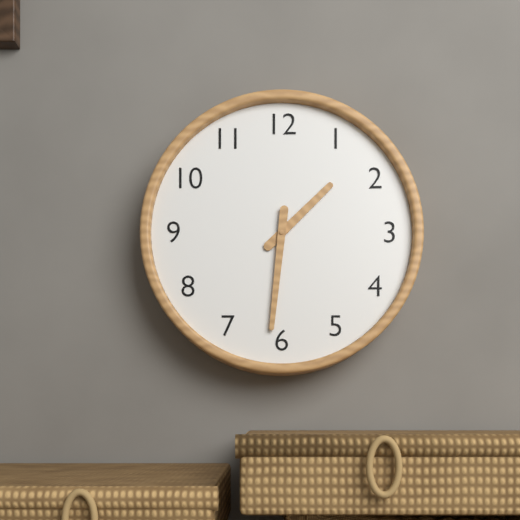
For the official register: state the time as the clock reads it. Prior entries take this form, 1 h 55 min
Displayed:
1 h 31 min
